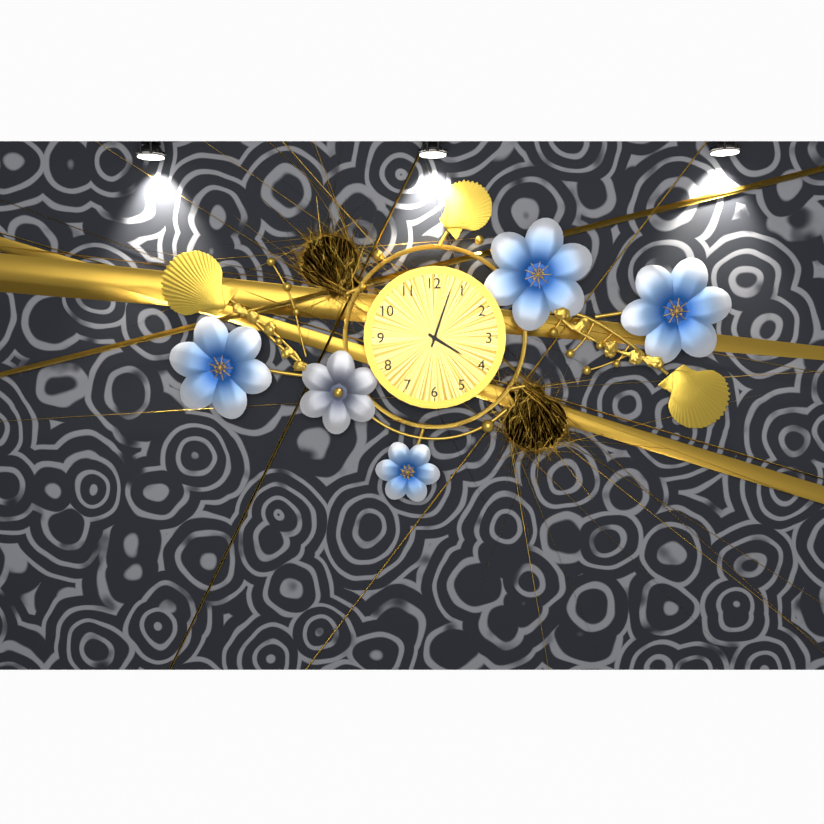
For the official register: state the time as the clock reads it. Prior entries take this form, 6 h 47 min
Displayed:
4 h 03 min
